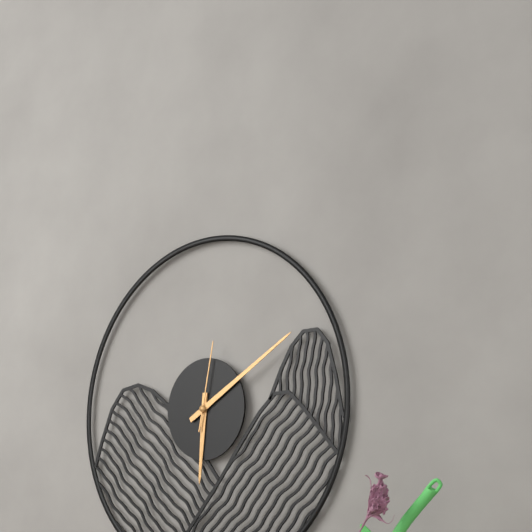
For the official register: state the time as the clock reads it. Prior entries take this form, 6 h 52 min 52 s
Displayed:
6 h 10 min 02 s
